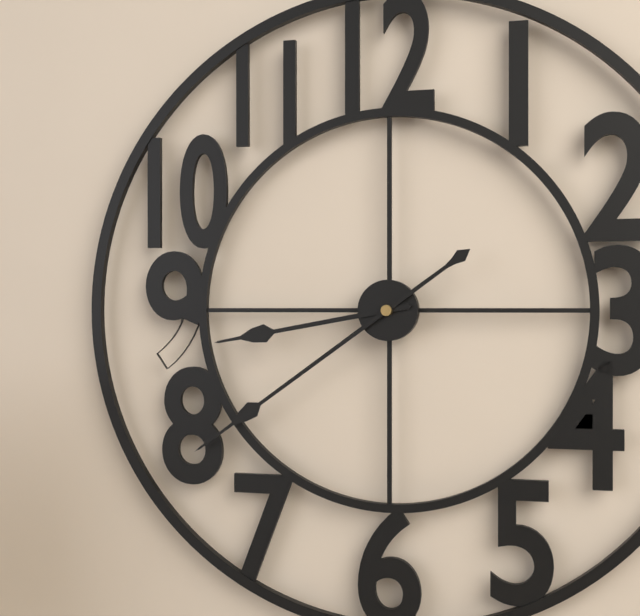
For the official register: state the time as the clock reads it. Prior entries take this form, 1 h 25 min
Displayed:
8 h 39 min
